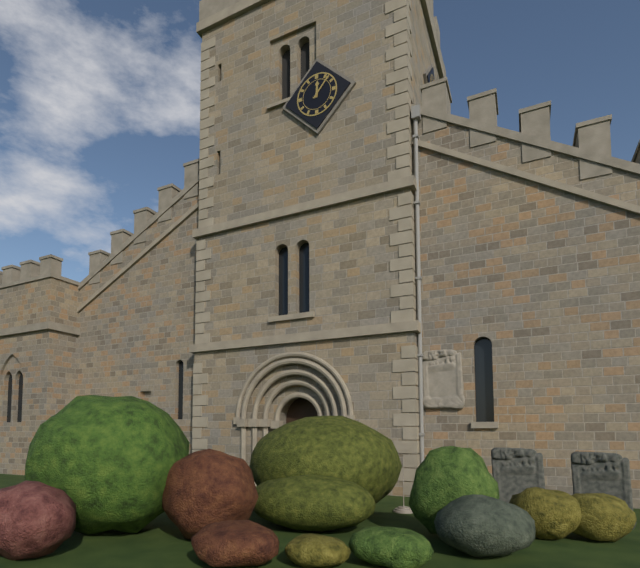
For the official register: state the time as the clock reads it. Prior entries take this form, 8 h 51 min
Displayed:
12 h 07 min
